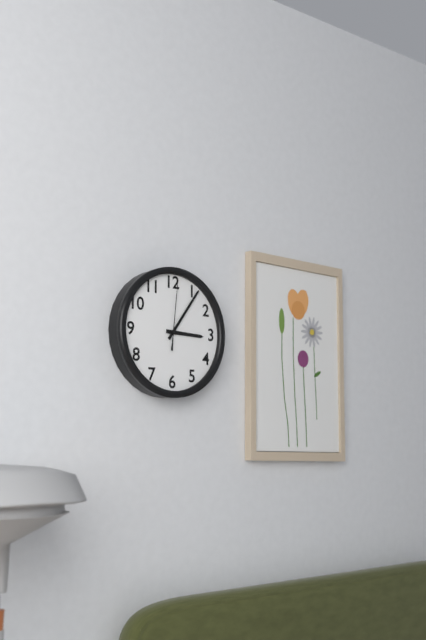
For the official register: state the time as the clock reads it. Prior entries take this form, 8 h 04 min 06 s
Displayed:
3 h 06 min 01 s
